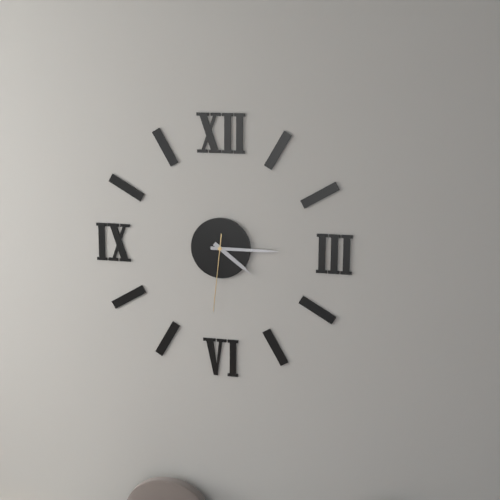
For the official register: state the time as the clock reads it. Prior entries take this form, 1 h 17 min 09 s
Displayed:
4 h 15 min 31 s
